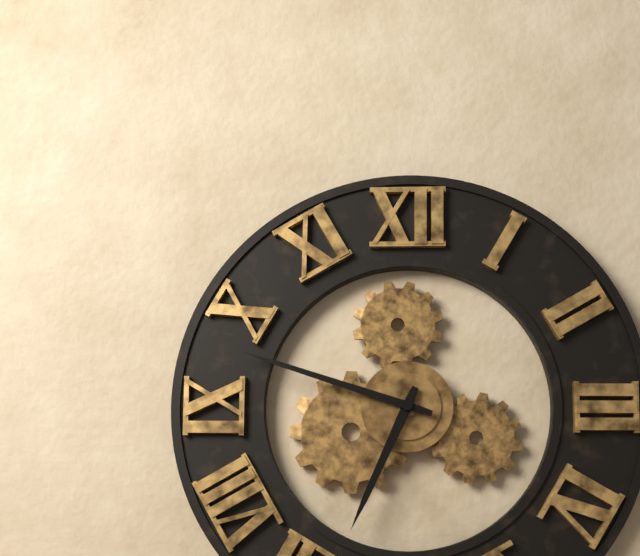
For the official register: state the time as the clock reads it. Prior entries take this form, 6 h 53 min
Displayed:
6 h 48 min
